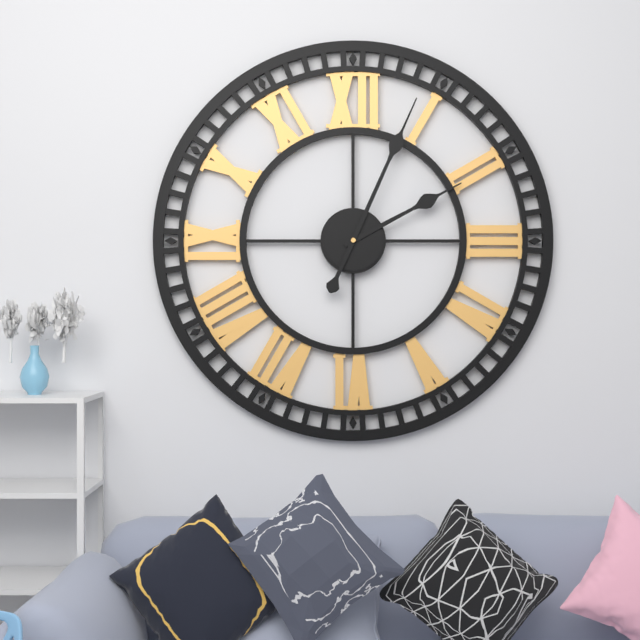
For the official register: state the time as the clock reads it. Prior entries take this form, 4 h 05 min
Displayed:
2 h 04 min
